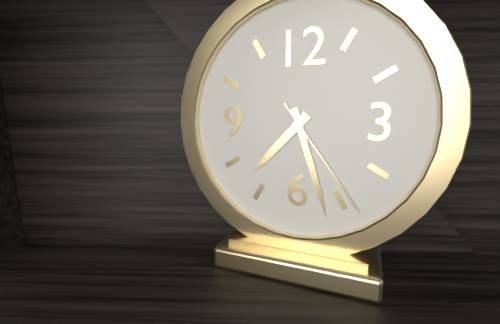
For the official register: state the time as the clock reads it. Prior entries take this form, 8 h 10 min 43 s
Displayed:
7 h 27 min 24 s
